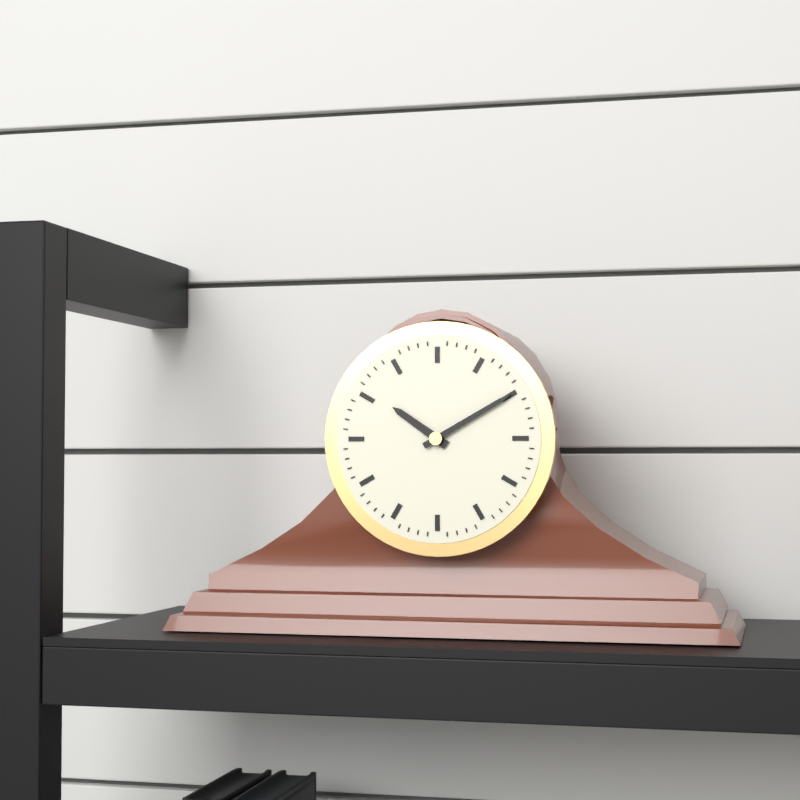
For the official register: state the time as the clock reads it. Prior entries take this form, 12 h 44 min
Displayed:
10 h 10 min
